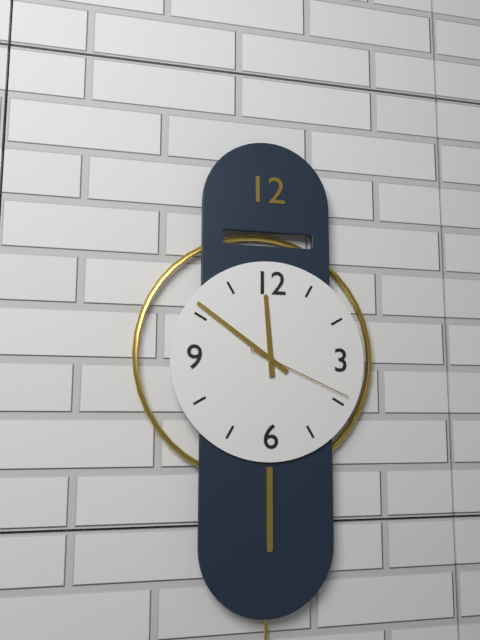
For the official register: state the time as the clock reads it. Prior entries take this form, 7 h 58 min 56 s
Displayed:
11 h 51 min 19 s
